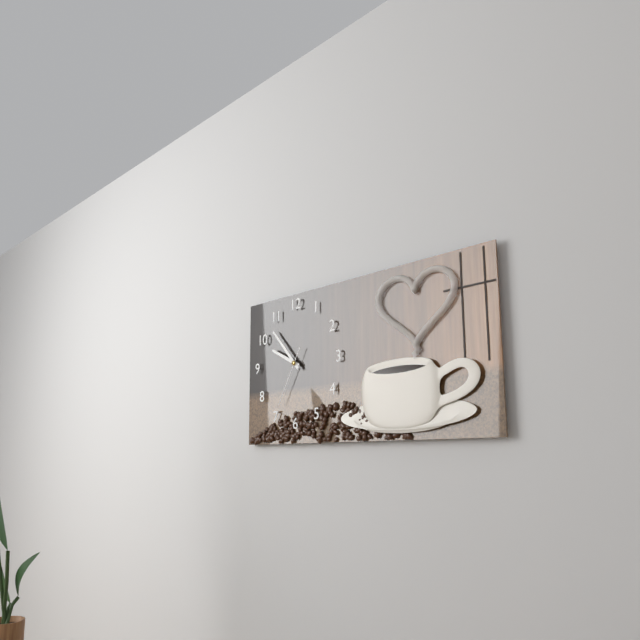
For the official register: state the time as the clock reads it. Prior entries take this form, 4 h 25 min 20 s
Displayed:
9 h 53 min 35 s
